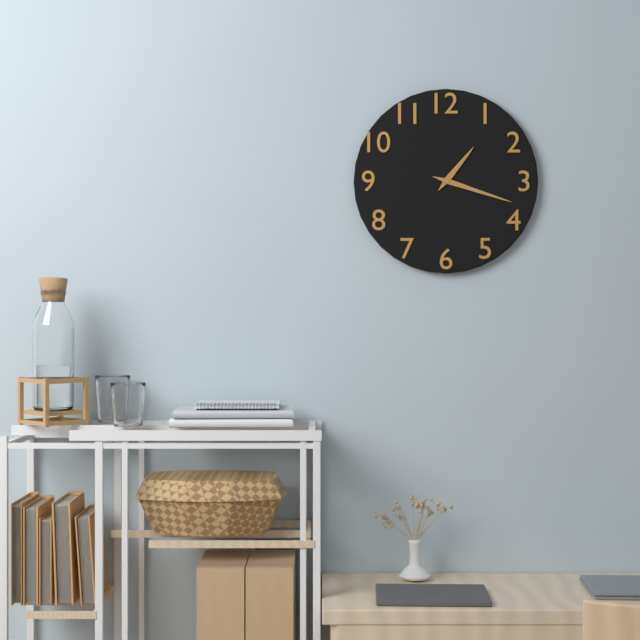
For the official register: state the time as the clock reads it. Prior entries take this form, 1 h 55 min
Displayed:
1 h 18 min
